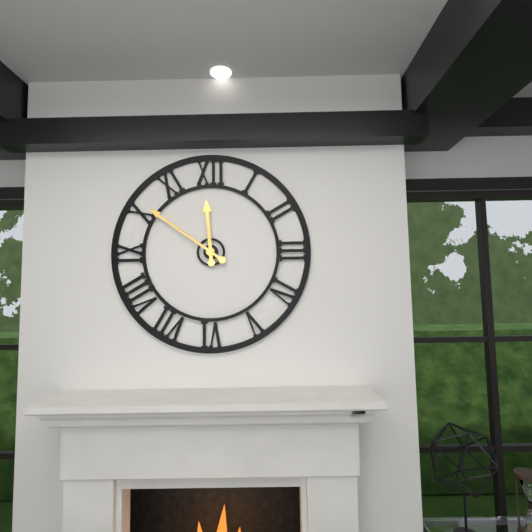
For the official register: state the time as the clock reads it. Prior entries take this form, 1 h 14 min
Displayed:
11 h 51 min
